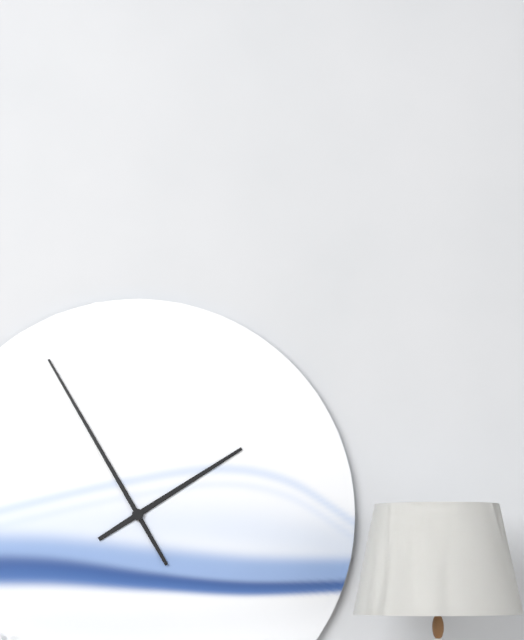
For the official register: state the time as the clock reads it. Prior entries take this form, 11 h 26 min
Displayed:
1 h 55 min
